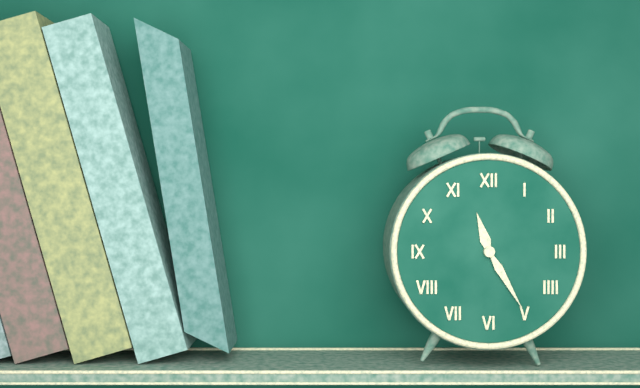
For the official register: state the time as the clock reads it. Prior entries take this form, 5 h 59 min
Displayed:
11 h 25 min
